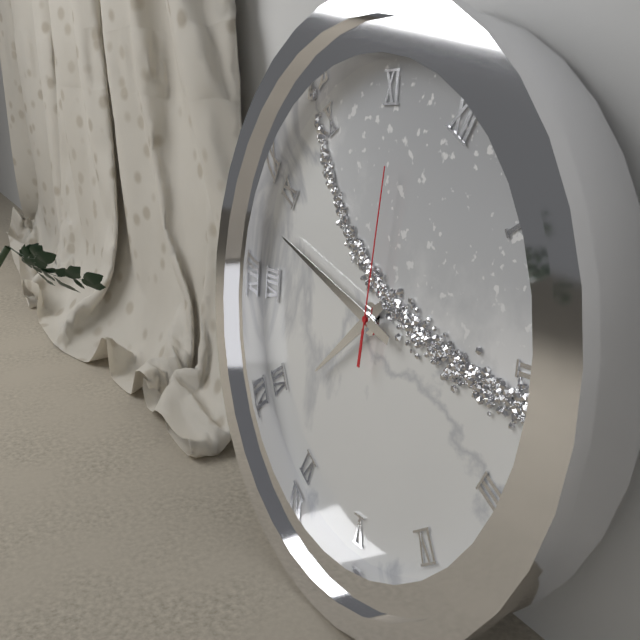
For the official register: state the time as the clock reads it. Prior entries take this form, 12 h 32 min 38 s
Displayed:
6 h 43 min 56 s
